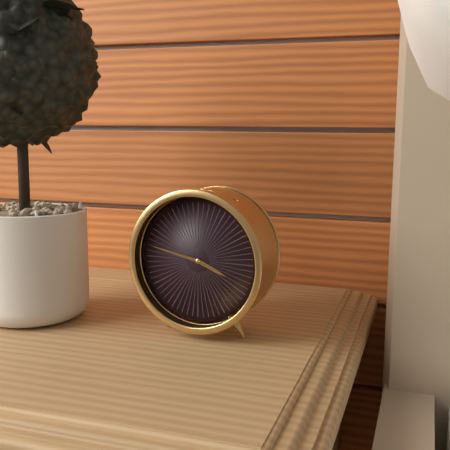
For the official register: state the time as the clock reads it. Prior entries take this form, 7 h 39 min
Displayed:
3 h 47 min
